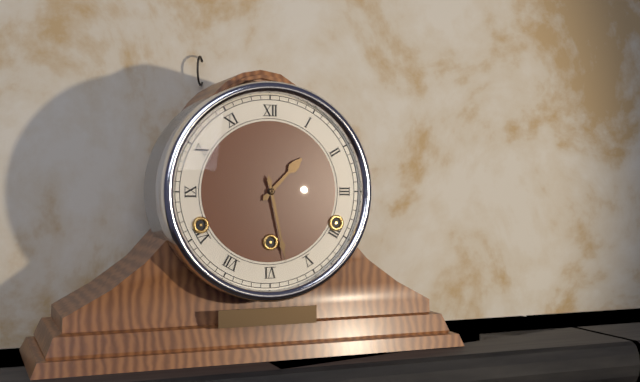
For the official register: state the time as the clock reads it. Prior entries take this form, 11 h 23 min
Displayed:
1 h 28 min
